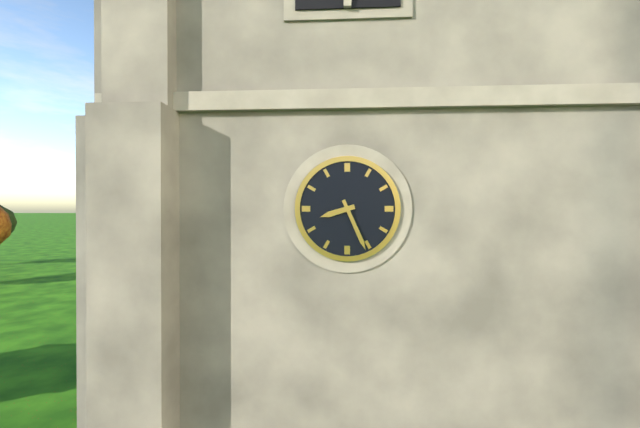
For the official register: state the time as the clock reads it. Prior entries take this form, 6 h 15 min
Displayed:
8 h 26 min
